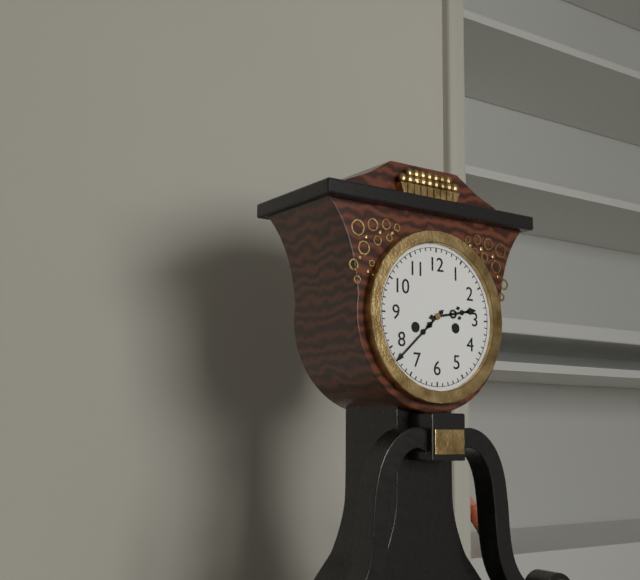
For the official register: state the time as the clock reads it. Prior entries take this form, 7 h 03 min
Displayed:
2 h 38 min
